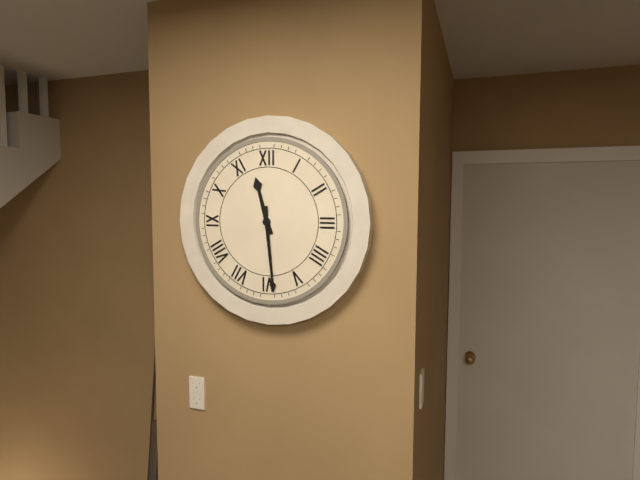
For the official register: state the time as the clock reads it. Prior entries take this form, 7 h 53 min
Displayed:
11 h 29 min
